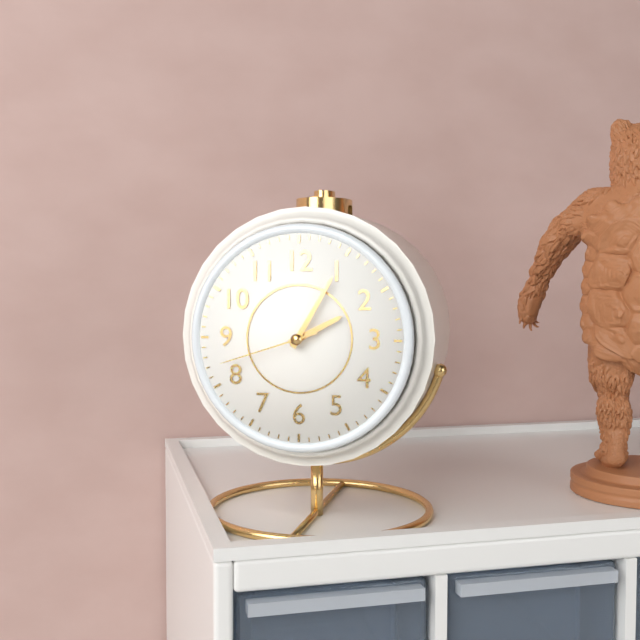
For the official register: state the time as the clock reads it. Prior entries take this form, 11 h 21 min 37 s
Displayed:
2 h 05 min 42 s
